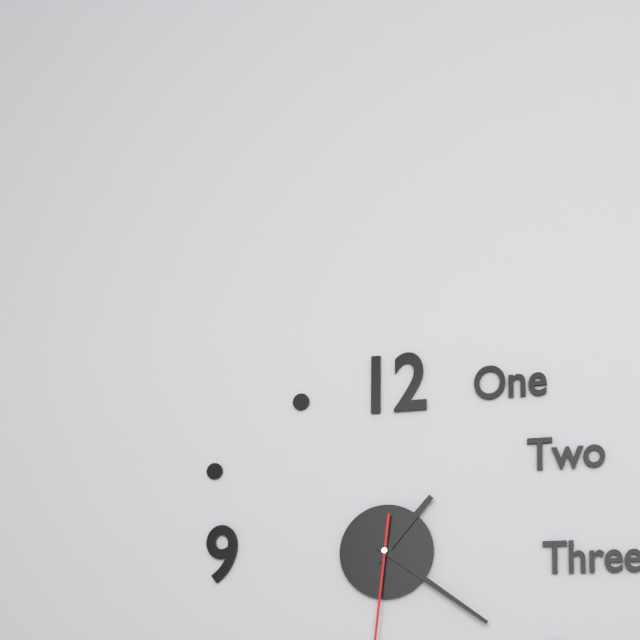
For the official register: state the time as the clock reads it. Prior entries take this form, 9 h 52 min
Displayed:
1 h 21 min
